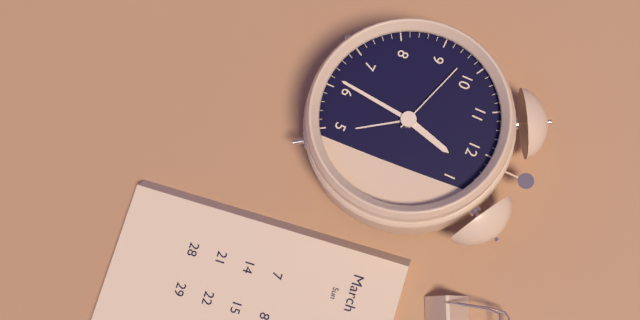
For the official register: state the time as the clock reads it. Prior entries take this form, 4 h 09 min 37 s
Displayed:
12 h 31 min 48 s
